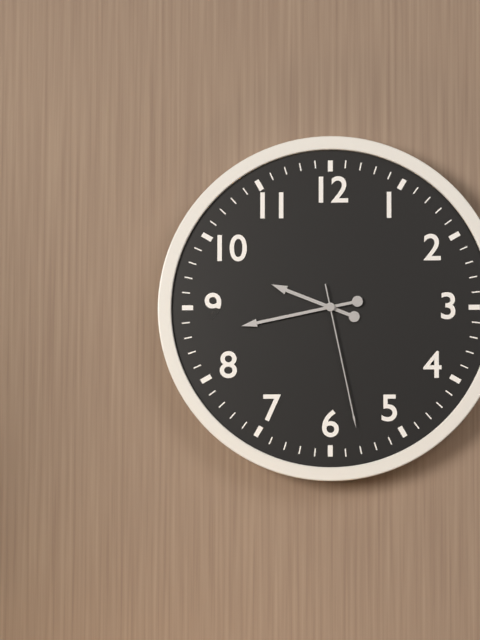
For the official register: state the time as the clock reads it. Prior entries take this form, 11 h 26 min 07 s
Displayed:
9 h 43 min 28 s
